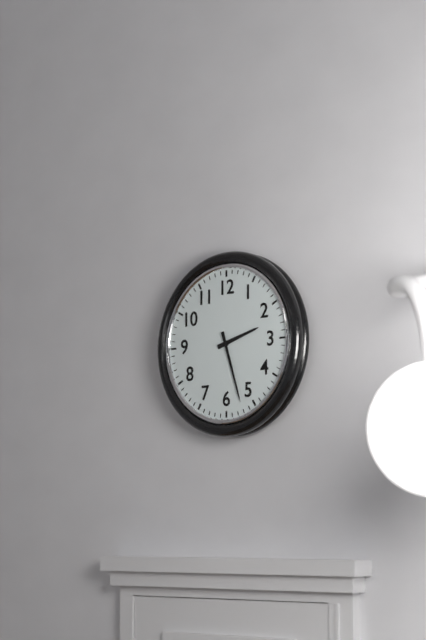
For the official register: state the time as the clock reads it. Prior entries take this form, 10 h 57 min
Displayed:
2 h 27 min
